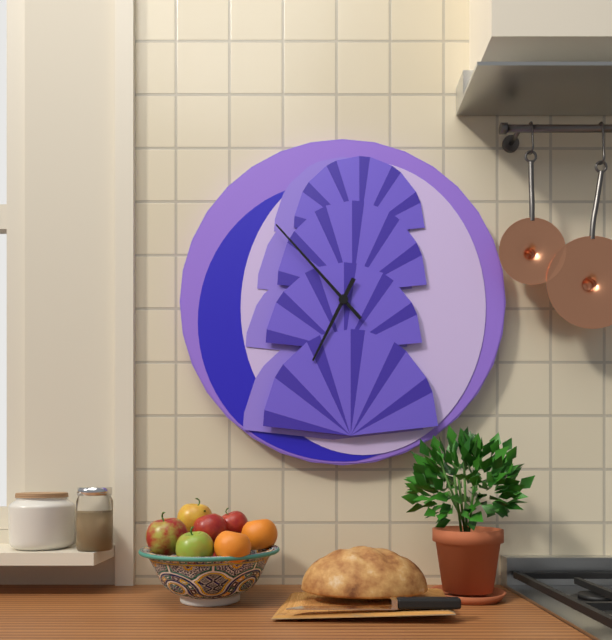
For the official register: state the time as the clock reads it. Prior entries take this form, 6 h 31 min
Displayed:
6 h 53 min
